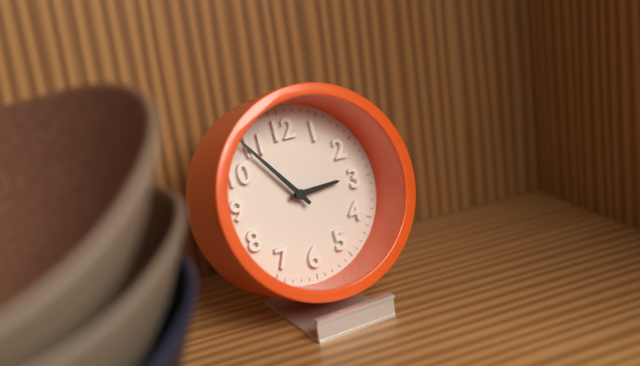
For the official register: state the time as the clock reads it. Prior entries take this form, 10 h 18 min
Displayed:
2 h 54 min
